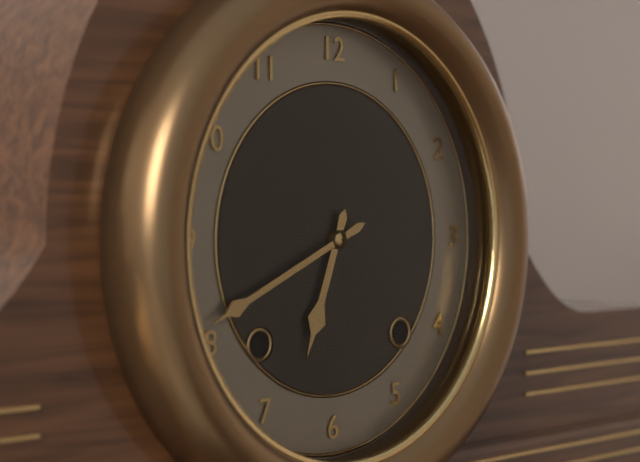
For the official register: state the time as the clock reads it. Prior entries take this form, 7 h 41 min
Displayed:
6 h 41 min
